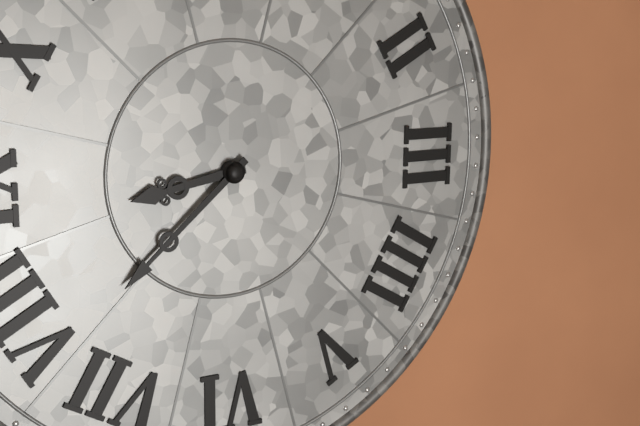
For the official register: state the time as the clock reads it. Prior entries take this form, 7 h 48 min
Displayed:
8 h 38 min
